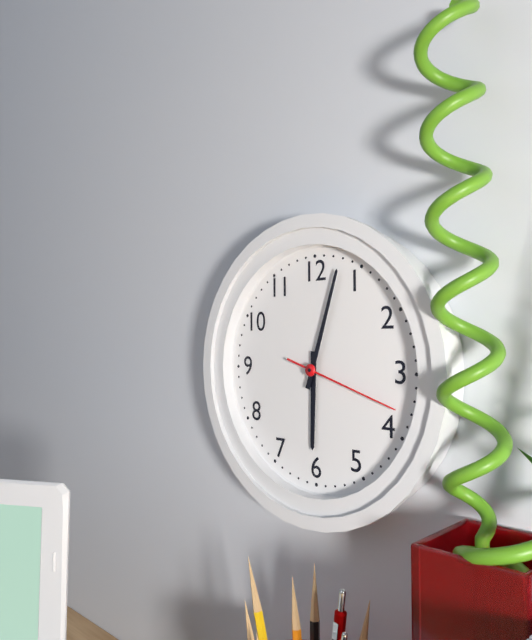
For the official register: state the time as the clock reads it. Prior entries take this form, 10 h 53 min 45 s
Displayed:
6 h 03 min 18 s
